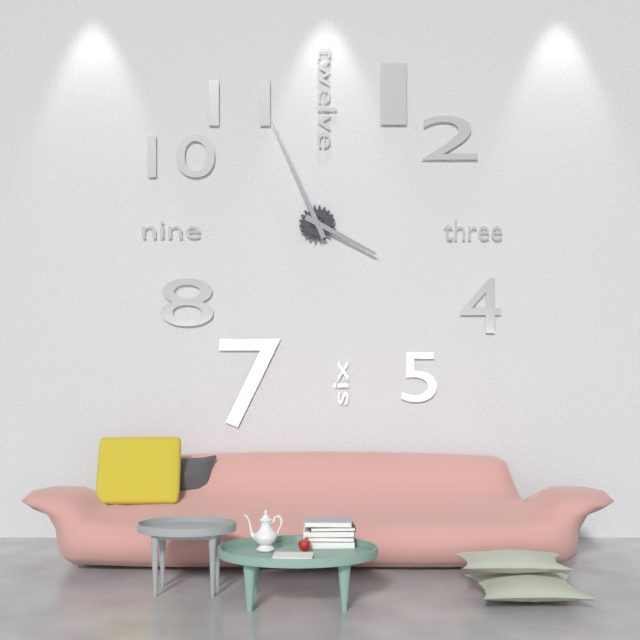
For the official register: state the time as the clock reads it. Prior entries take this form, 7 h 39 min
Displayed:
3 h 56 min
